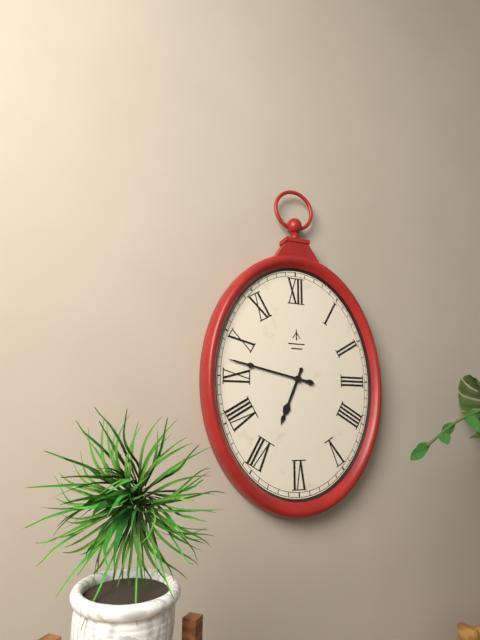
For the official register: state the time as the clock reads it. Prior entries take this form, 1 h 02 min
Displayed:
6 h 47 min
